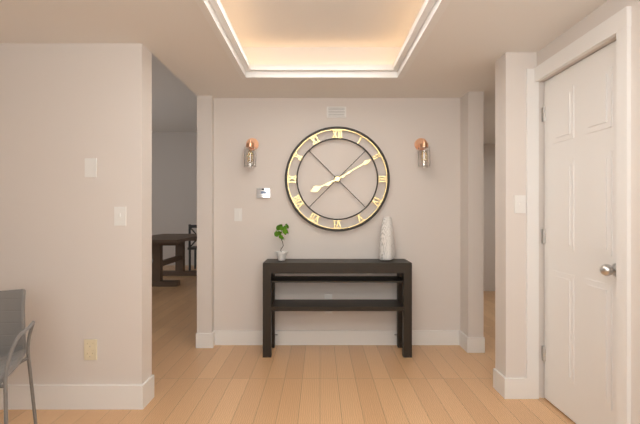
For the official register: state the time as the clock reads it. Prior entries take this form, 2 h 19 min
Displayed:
8 h 10 min
